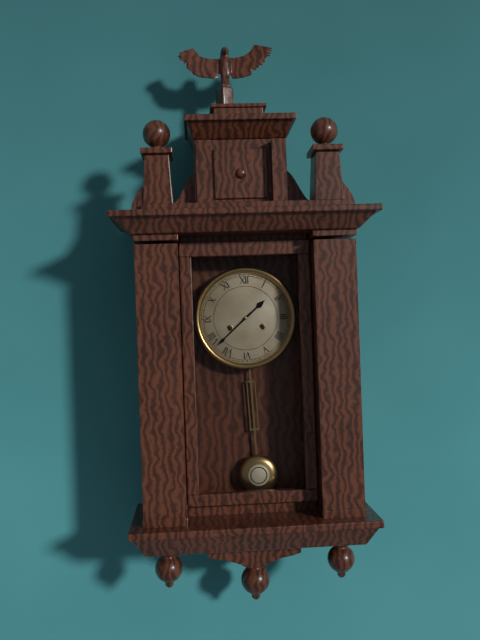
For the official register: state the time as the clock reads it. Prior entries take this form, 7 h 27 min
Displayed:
1 h 38 min
